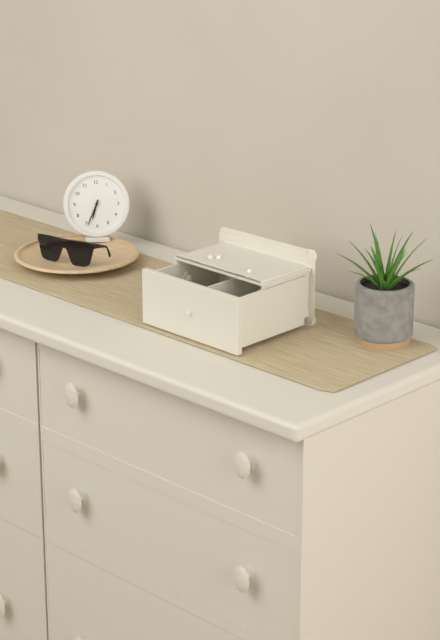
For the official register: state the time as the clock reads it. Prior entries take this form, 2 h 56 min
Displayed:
6 h 34 min
